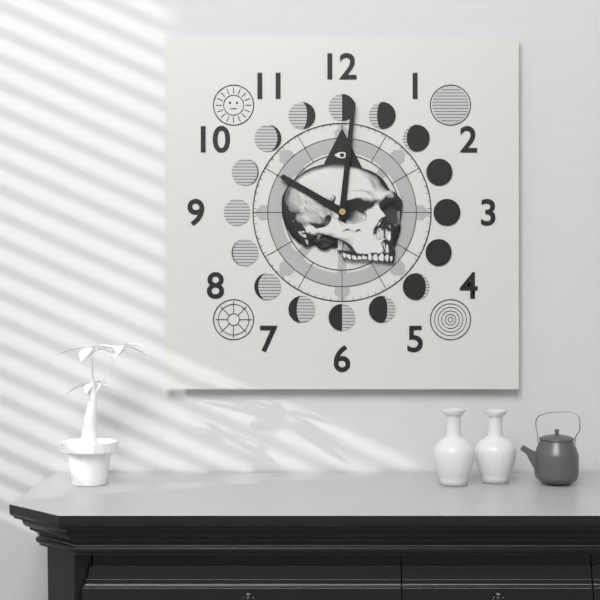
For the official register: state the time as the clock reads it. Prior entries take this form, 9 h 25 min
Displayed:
10 h 01 min
